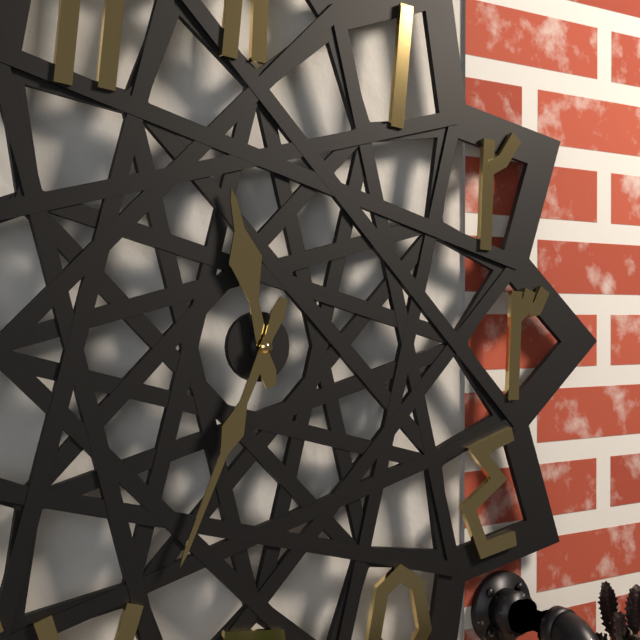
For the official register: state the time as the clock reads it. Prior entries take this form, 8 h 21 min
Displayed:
11 h 34 min
